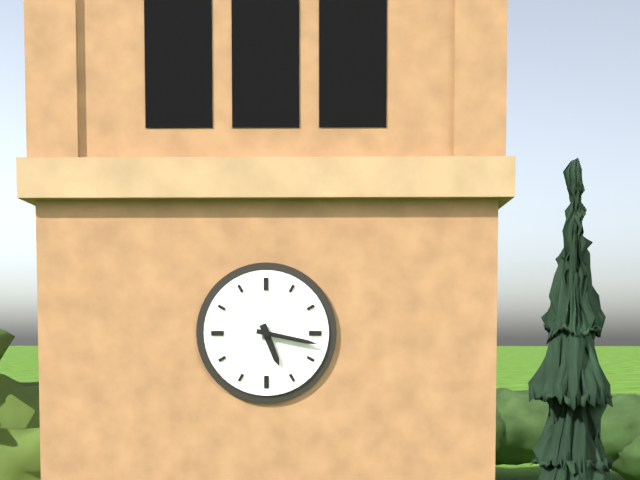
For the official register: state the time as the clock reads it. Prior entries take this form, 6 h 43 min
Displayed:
5 h 17 min
